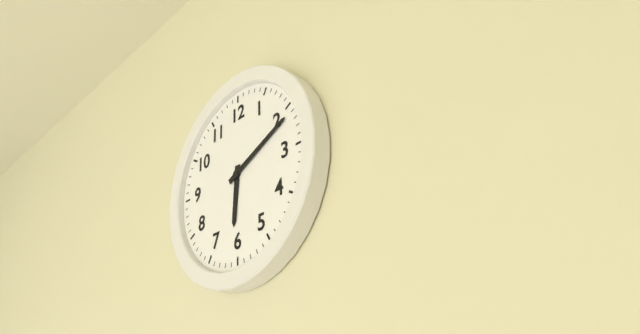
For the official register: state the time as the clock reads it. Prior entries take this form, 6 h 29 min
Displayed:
6 h 11 min
